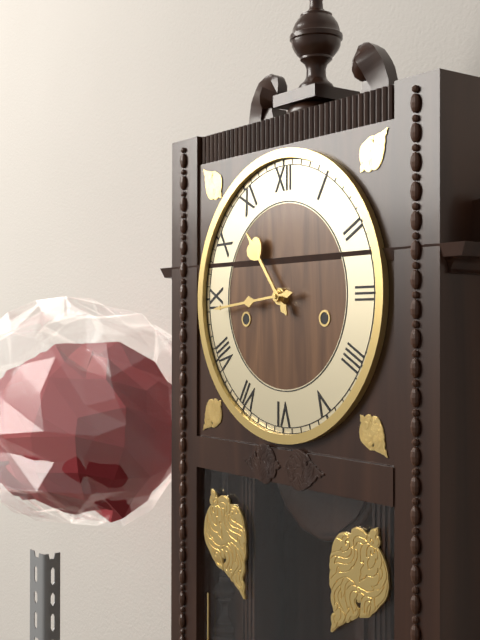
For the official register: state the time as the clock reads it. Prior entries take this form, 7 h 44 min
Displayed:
10 h 44 min
